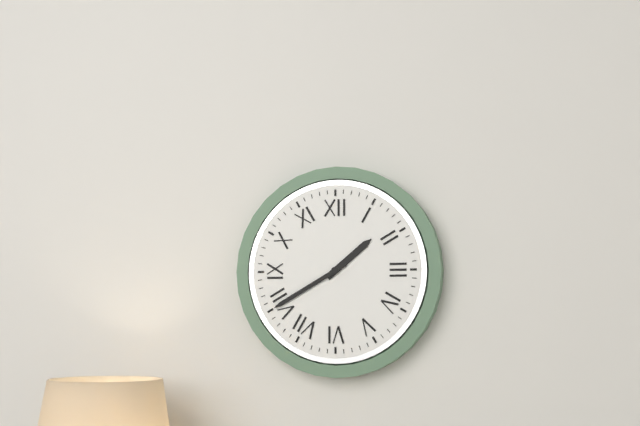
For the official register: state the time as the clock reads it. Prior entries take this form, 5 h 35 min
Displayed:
1 h 40 min
